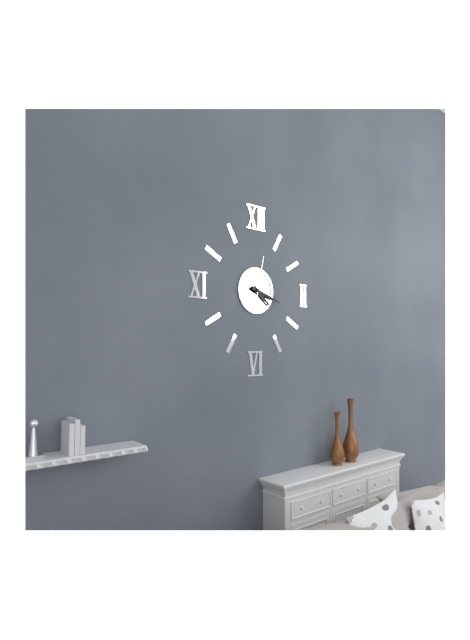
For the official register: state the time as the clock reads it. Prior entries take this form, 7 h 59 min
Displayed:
4 h 18 min
